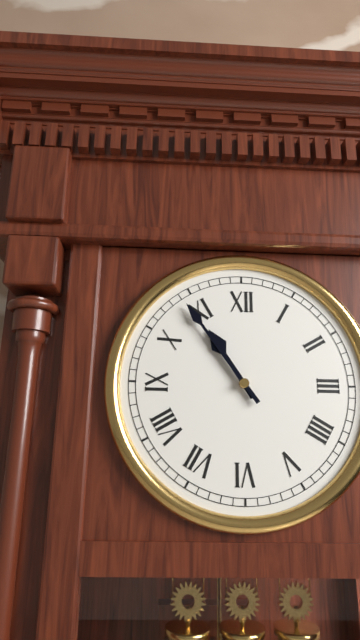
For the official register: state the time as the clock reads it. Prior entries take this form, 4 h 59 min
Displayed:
10 h 54 min
